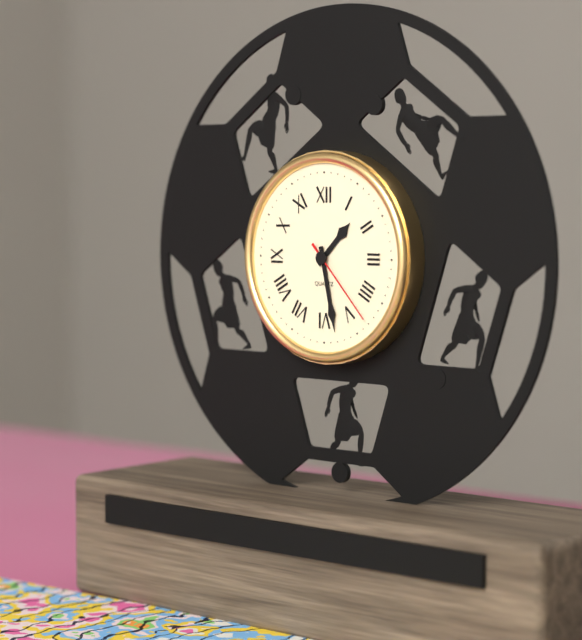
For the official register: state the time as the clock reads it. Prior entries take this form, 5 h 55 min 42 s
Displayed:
1 h 28 min 23 s
